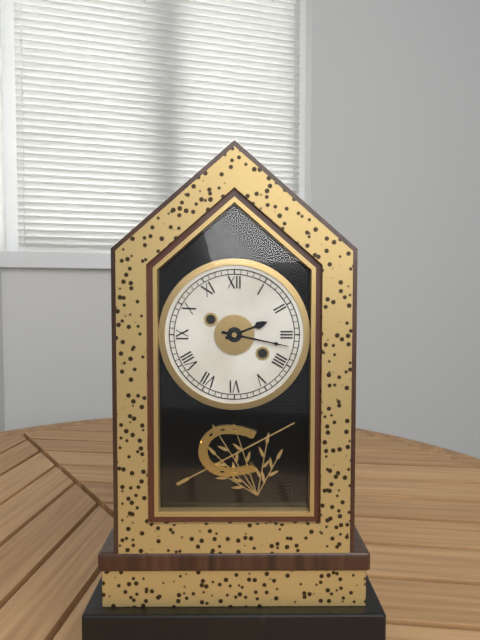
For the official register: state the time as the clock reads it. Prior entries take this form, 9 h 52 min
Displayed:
2 h 17 min
